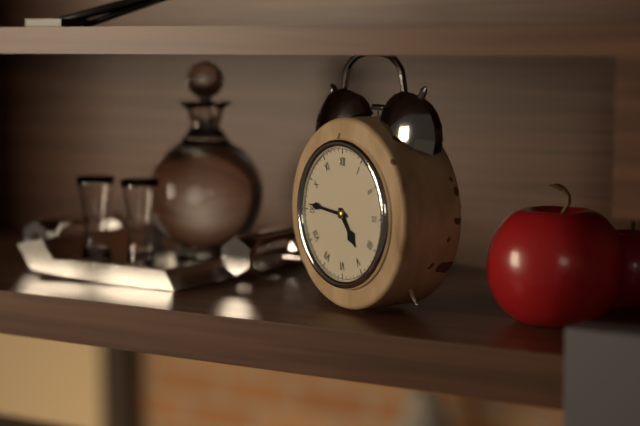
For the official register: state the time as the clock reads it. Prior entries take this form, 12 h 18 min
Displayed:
4 h 46 min
